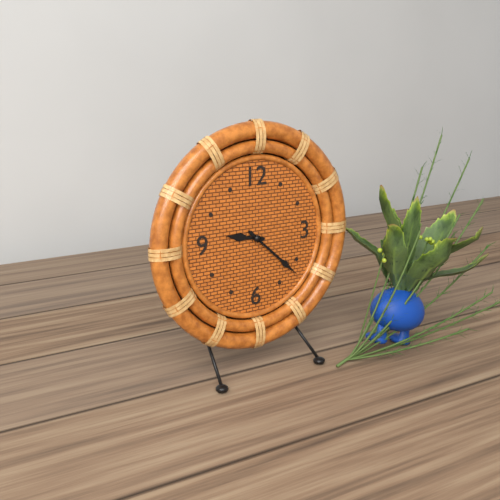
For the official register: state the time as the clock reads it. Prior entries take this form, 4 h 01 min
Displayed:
9 h 22 min
